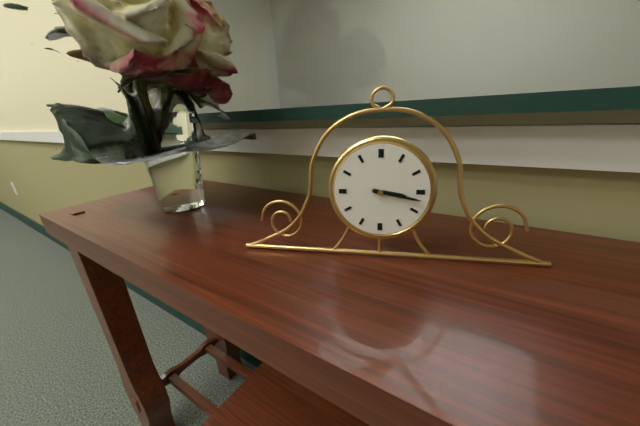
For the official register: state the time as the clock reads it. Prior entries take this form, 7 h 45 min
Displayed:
3 h 17 min
